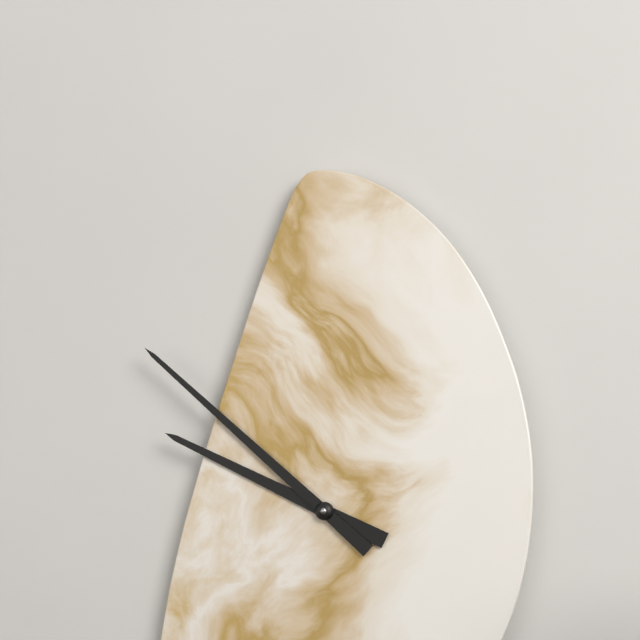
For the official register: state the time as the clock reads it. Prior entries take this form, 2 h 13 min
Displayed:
9 h 52 min
